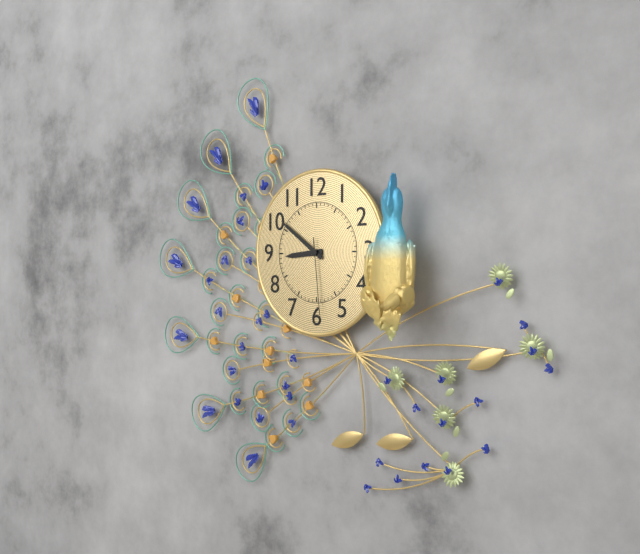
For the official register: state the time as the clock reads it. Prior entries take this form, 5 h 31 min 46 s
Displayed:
8 h 51 min 29 s
